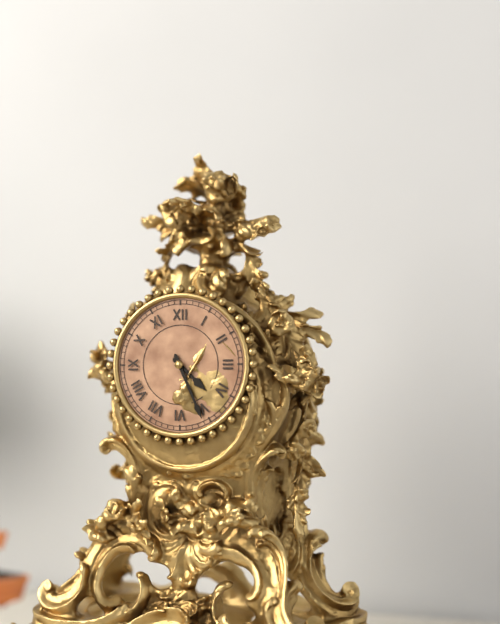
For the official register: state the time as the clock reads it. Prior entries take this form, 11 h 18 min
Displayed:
4 h 26 min
